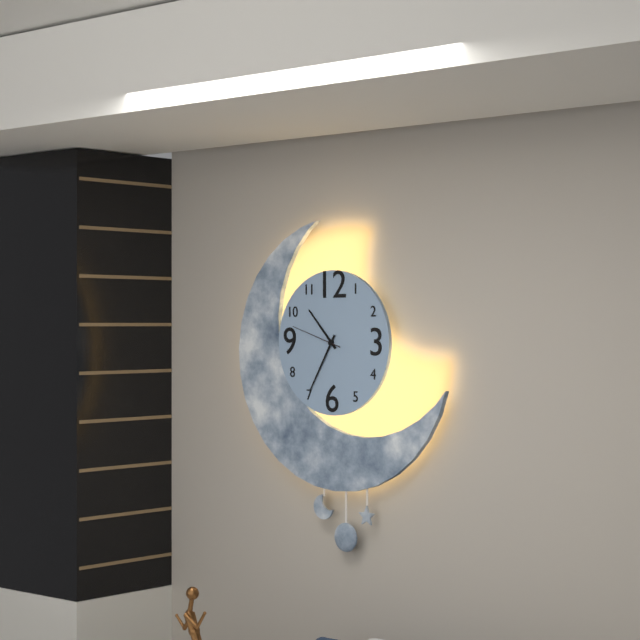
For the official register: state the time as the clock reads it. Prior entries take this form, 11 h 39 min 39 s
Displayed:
10 h 35 min 48 s
